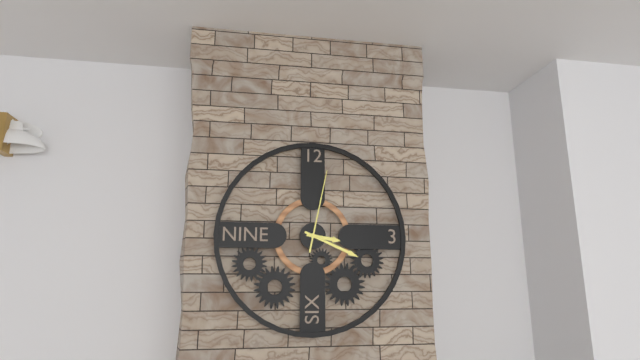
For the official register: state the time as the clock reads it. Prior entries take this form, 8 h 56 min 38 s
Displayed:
3 h 19 min 02 s
